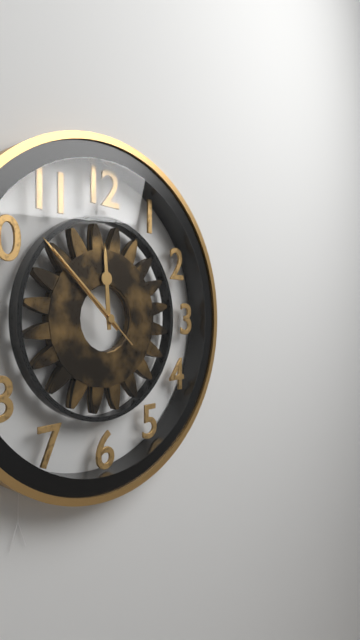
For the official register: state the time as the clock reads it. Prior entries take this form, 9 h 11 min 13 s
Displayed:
11 h 52 min 52 s
